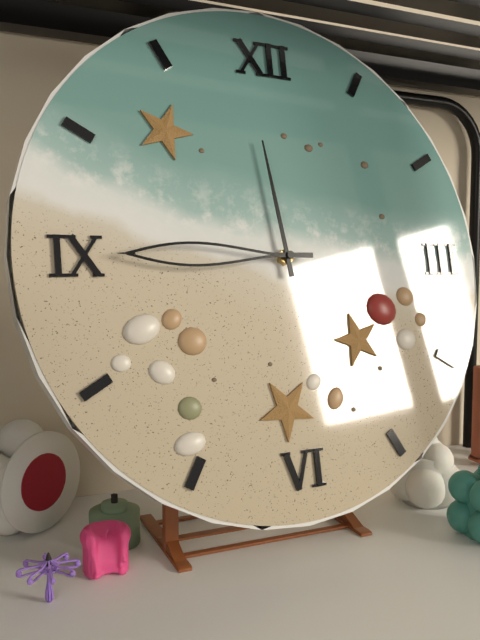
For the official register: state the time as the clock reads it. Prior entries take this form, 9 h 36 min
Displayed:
11 h 45 min
